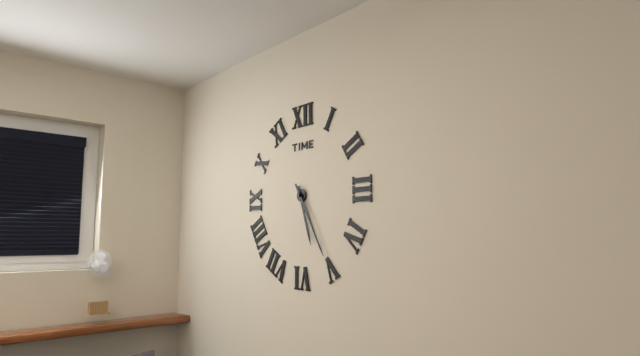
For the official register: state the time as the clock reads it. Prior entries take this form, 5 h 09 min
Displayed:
5 h 25 min
